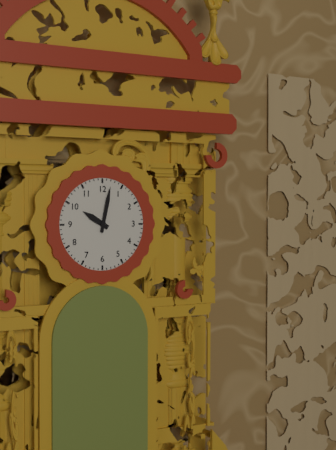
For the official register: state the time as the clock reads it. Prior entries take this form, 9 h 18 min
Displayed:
10 h 02 min
